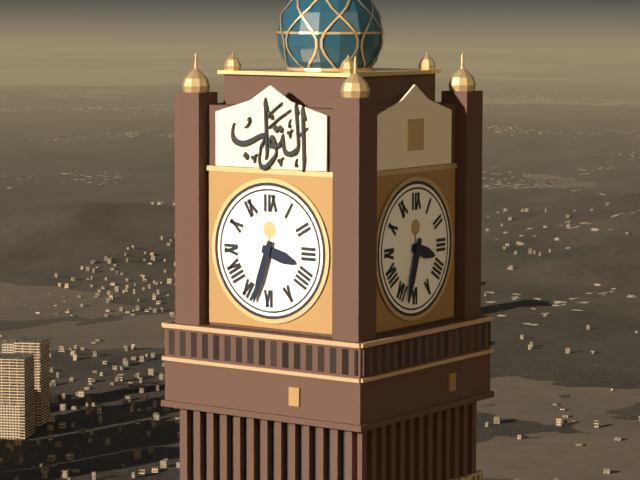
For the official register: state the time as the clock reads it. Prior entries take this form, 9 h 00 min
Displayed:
3 h 33 min
